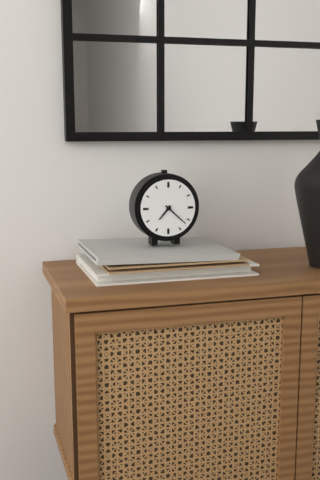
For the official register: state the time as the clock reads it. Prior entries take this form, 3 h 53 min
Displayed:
7 h 22 min
